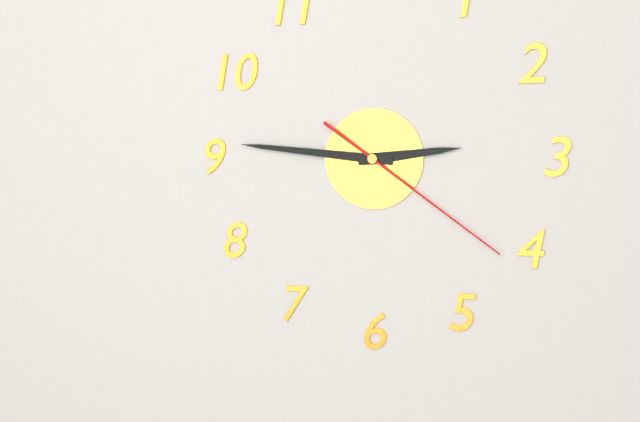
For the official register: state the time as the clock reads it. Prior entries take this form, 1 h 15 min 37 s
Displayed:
2 h 46 min 21 s
